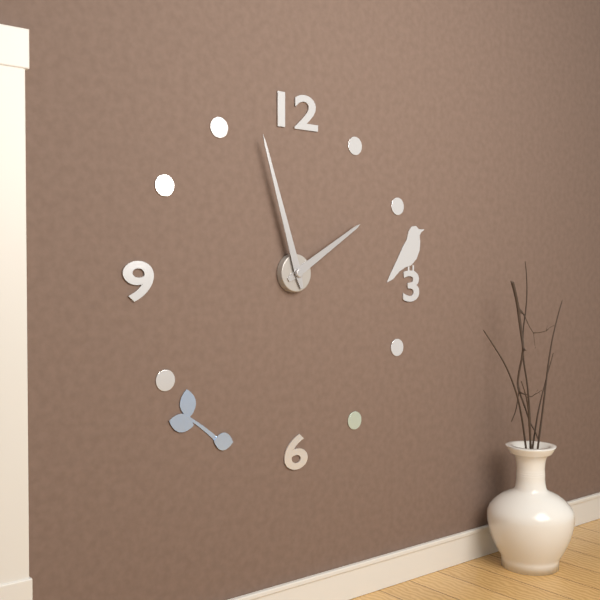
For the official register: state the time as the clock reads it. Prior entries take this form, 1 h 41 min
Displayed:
1 h 57 min
